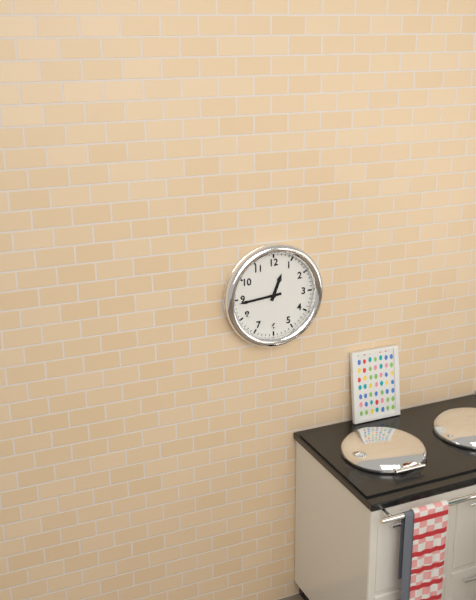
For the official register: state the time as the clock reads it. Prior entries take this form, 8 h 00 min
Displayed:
12 h 44 min
